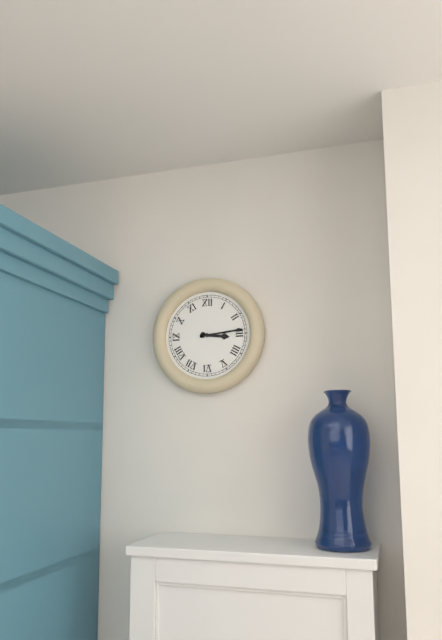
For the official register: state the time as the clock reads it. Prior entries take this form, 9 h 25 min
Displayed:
3 h 14 min
